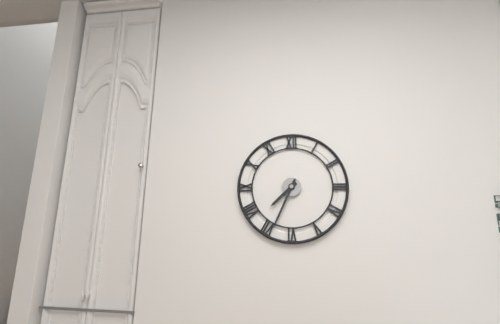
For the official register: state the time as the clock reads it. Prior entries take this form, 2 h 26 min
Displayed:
7 h 34 min
